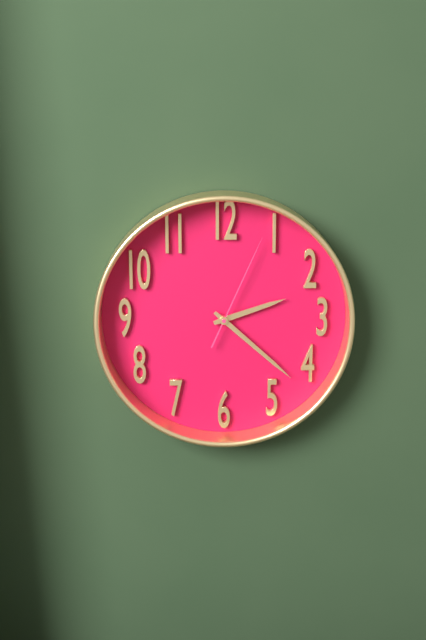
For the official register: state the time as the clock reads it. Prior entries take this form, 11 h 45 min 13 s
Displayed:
2 h 22 min 04 s
